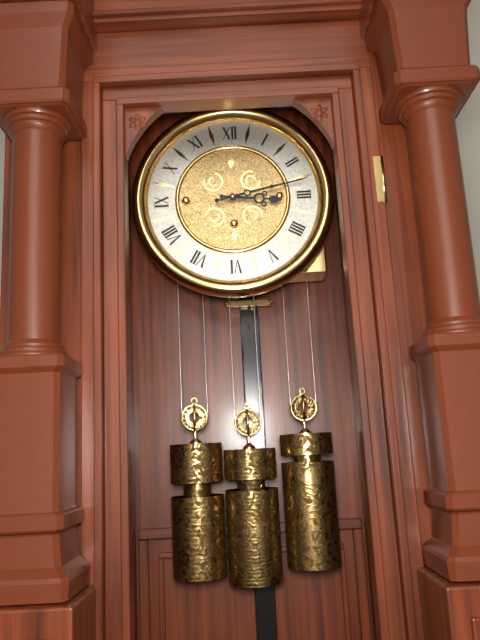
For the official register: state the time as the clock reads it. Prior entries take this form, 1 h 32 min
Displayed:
3 h 13 min
